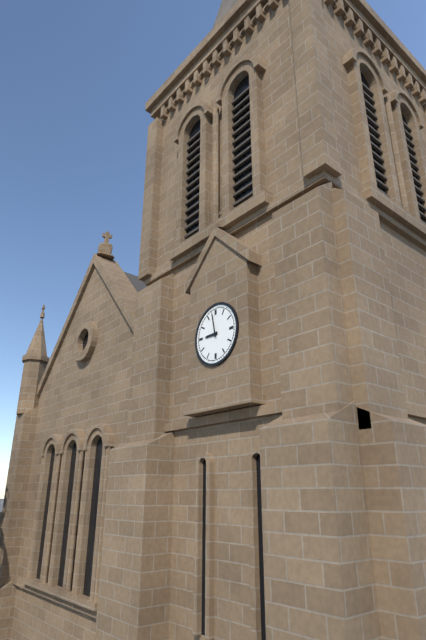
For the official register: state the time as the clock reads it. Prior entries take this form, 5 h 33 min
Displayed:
8 h 58 min
